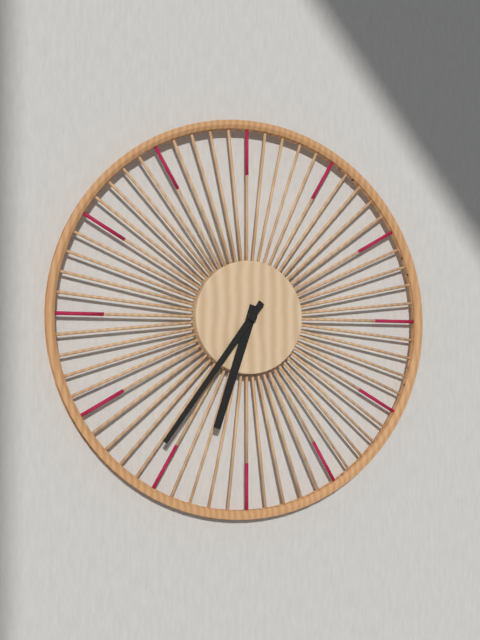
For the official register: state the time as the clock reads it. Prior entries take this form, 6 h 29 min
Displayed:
6 h 36 min
